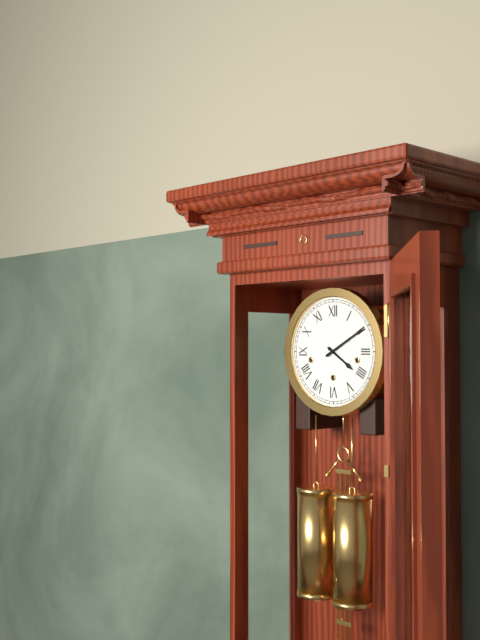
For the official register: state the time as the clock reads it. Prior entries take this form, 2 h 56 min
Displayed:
4 h 10 min
